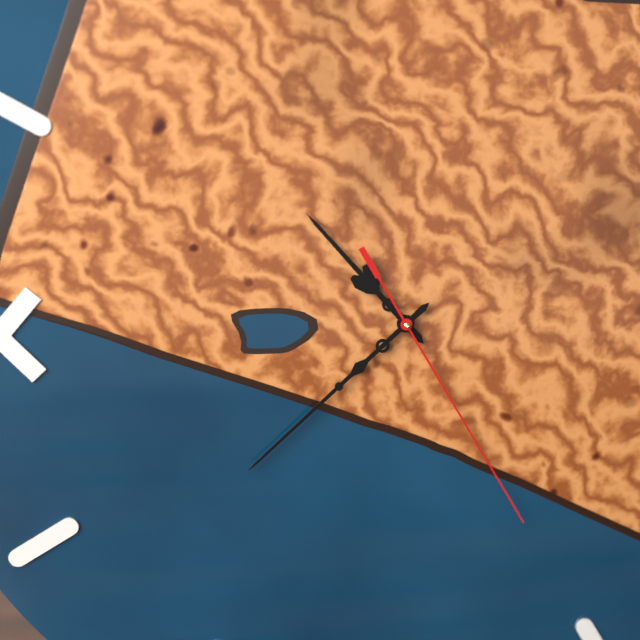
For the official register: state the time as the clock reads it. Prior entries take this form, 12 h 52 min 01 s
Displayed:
10 h 38 min 25 s
